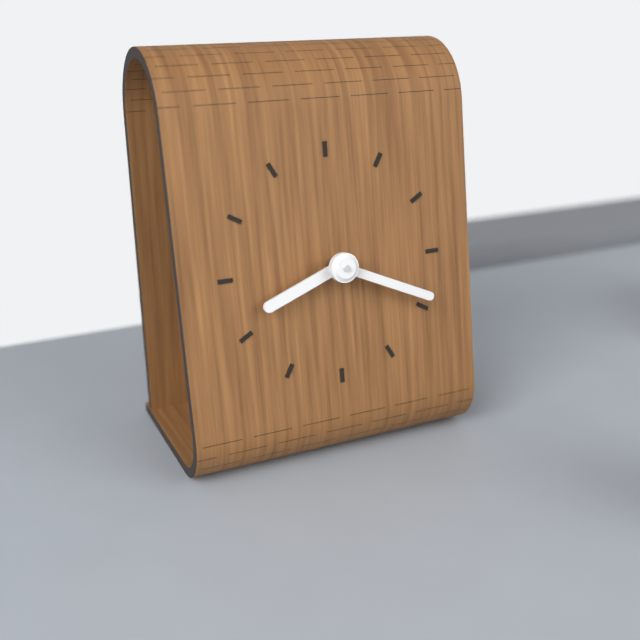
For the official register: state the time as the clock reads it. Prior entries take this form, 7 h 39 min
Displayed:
8 h 19 min
